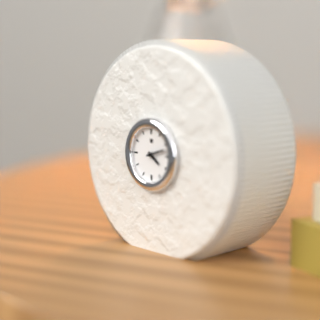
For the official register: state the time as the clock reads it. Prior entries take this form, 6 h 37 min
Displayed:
4 h 12 min
